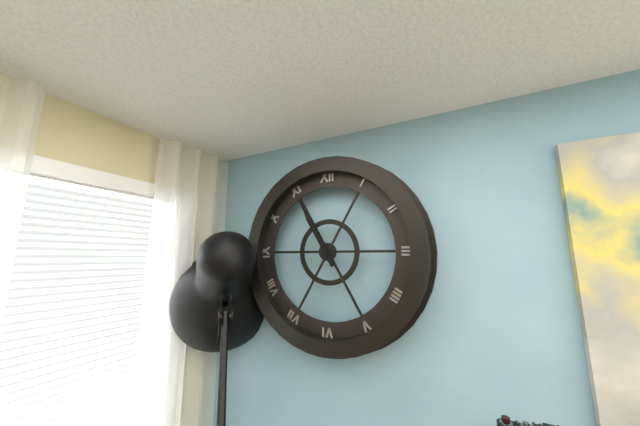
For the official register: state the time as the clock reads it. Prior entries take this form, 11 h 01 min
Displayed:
10 h 55 min
